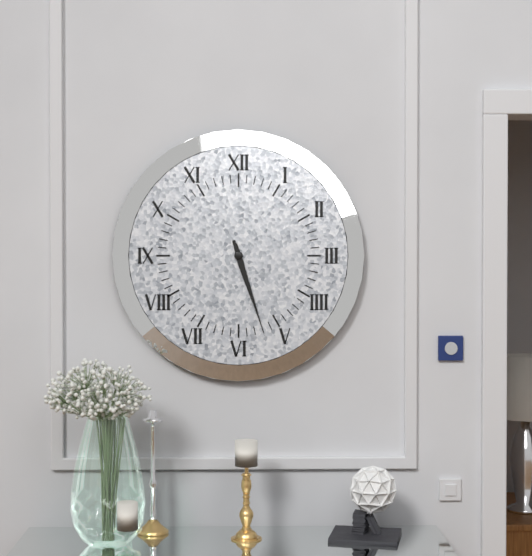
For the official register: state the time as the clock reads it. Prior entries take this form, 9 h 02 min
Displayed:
5 h 27 min
